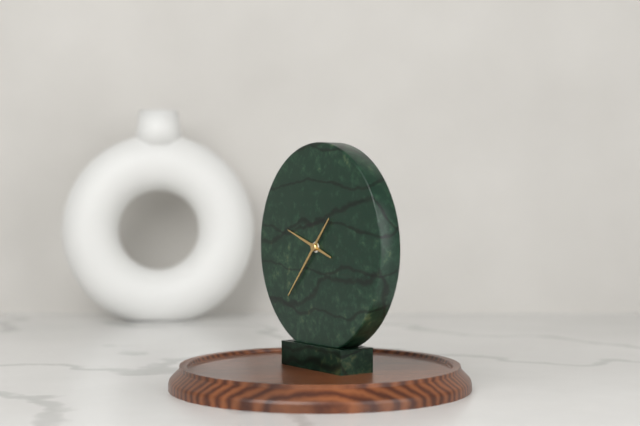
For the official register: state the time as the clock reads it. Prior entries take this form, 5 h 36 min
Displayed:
9 h 37 min
